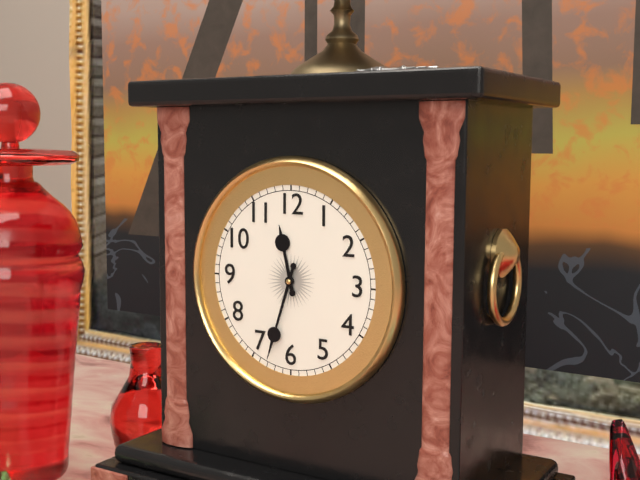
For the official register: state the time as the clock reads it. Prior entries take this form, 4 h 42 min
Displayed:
11 h 33 min
